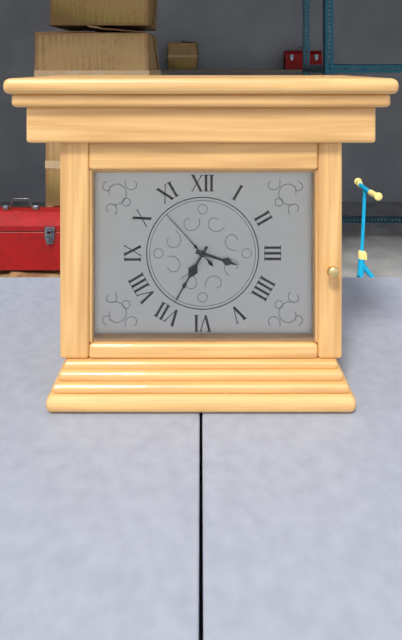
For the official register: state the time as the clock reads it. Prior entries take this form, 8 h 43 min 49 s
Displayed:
3 h 35 min 53 s
